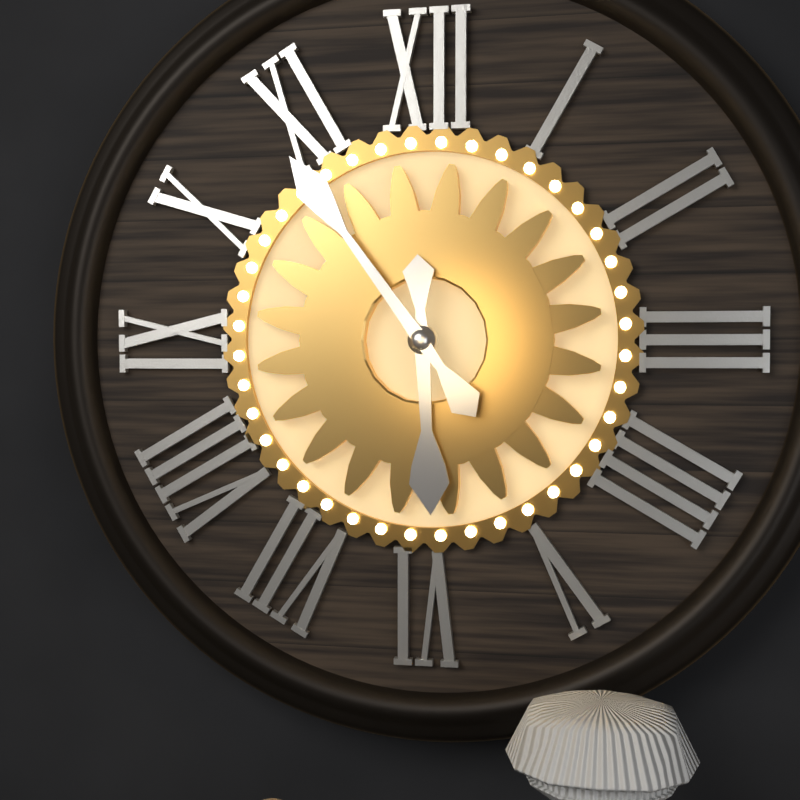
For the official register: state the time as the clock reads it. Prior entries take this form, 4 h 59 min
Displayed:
5 h 54 min
